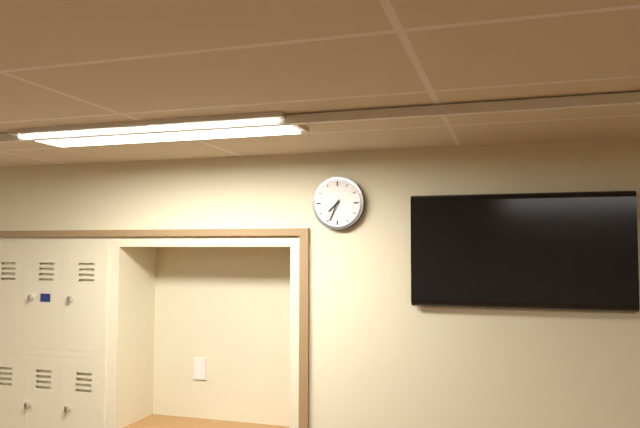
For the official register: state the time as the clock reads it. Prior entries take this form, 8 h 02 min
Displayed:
7 h 34 min
